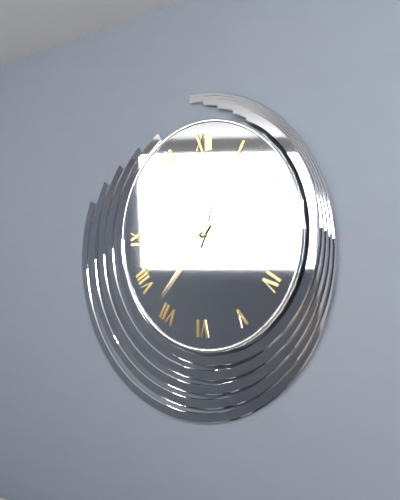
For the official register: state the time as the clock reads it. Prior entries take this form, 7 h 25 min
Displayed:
12 h 37 min
